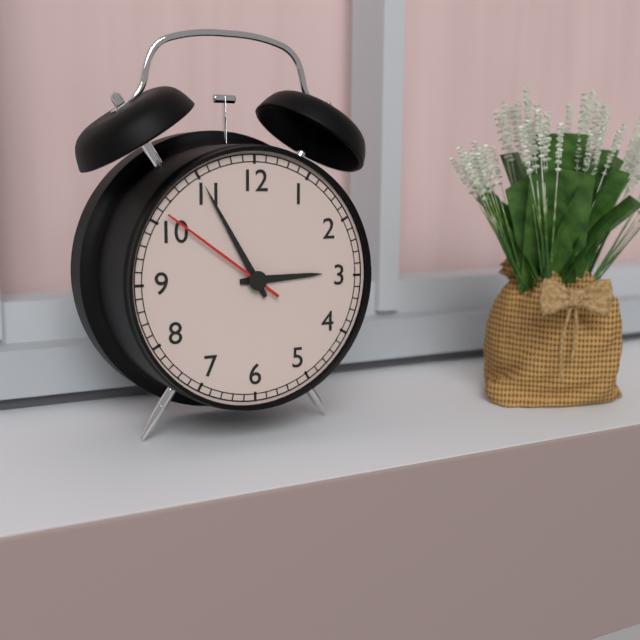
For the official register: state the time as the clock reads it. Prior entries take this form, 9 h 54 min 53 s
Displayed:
2 h 55 min 51 s
